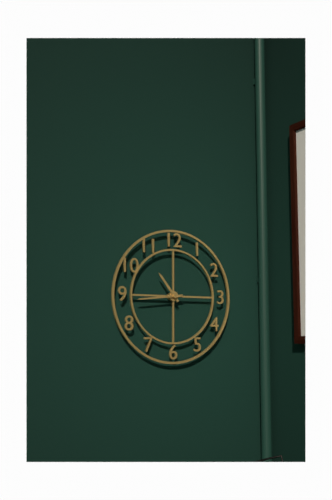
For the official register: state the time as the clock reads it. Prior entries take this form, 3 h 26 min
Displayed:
10 h 44 min
